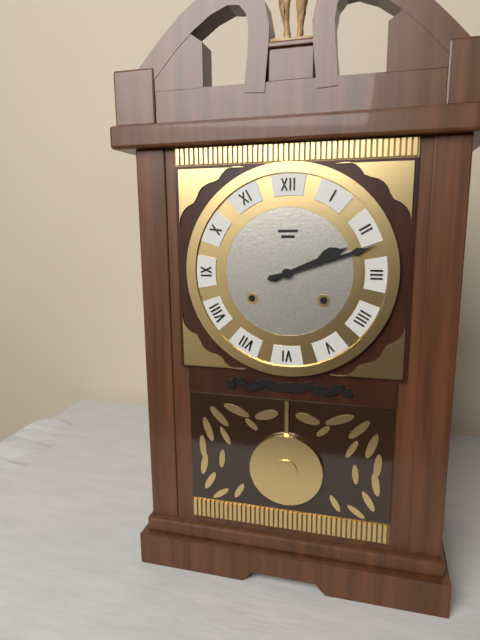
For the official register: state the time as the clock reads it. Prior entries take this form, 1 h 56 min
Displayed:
2 h 12 min
